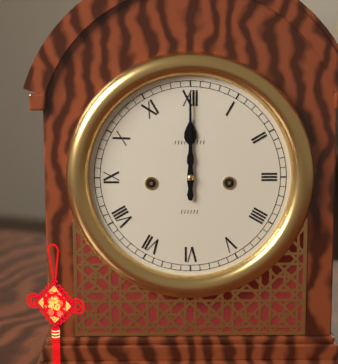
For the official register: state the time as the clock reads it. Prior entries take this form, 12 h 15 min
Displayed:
12 h 00 min
